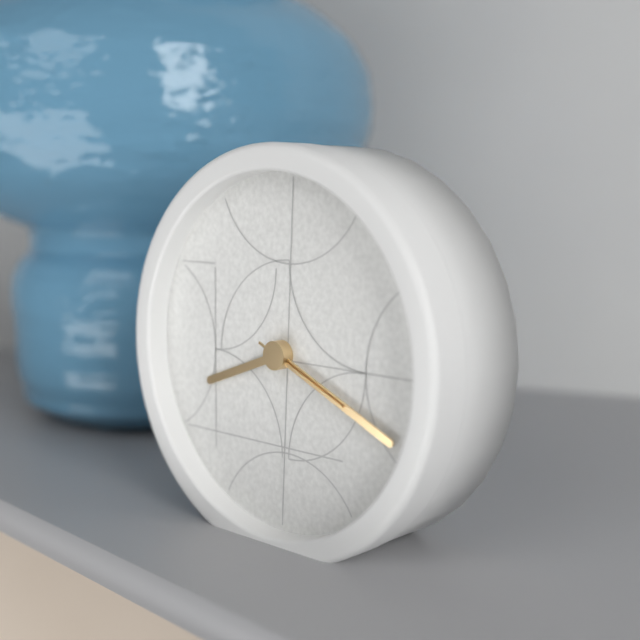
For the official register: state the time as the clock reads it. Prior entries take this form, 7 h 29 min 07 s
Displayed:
8 h 19 min 19 s
